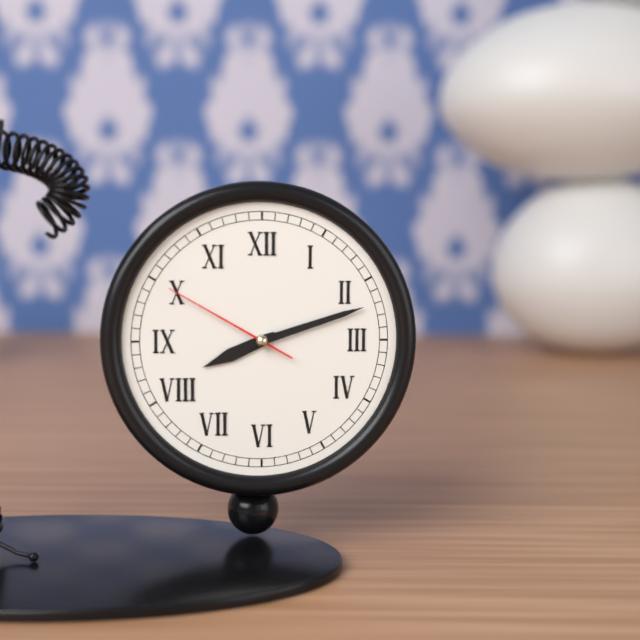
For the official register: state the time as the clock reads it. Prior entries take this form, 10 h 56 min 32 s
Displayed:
8 h 12 min 50 s
